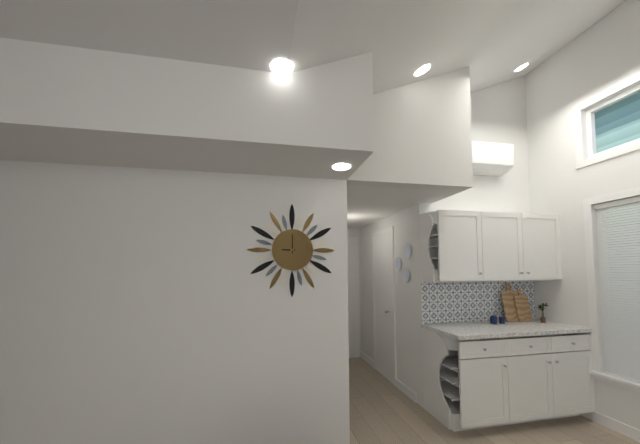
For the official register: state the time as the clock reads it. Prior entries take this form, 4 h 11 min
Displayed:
9 h 00 min
